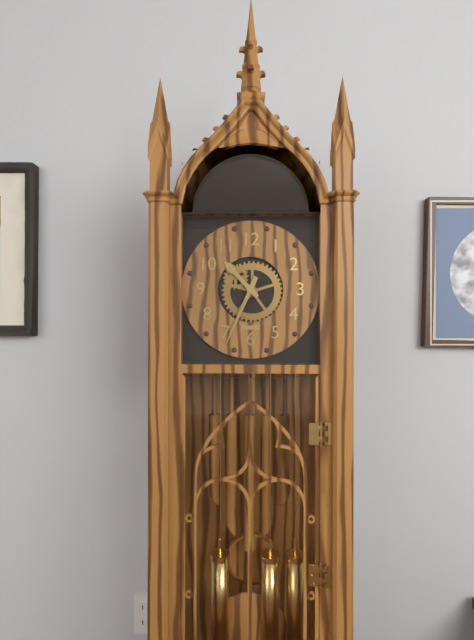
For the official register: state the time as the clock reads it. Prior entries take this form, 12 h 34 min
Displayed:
10 h 34 min
